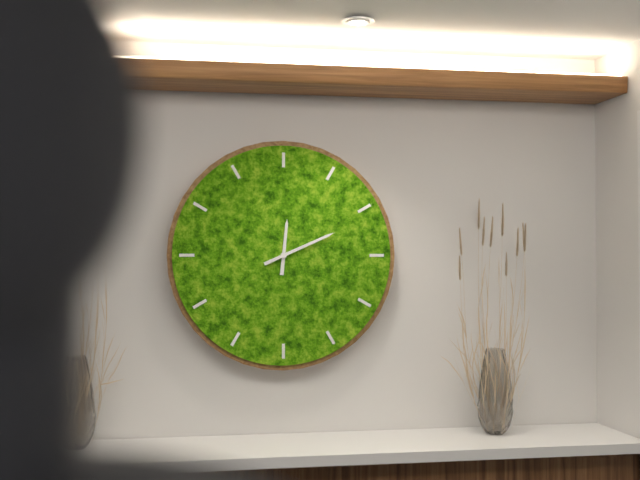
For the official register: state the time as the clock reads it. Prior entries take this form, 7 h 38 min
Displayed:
12 h 11 min
